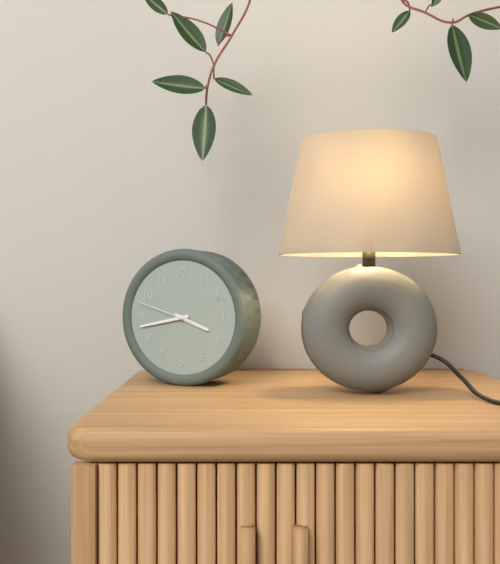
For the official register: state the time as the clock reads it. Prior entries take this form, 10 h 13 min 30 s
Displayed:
3 h 43 min 48 s
